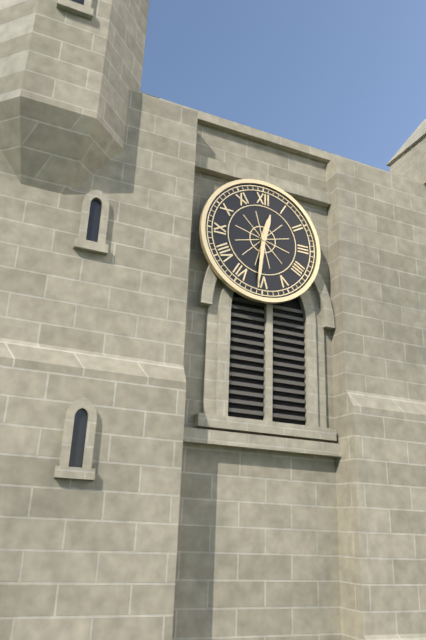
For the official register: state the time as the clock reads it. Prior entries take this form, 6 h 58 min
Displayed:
12 h 31 min
